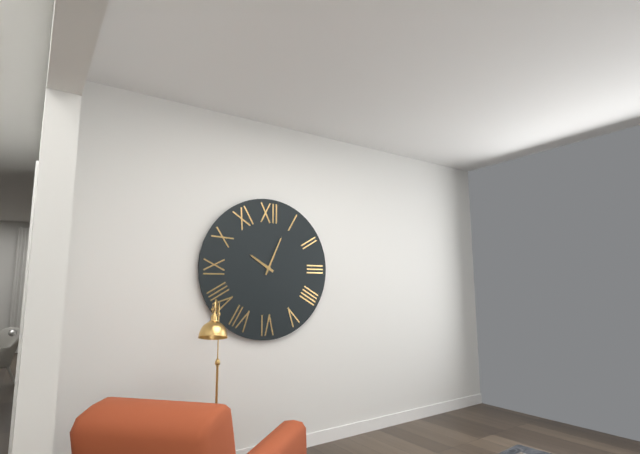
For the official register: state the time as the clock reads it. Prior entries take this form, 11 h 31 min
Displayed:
10 h 04 min
